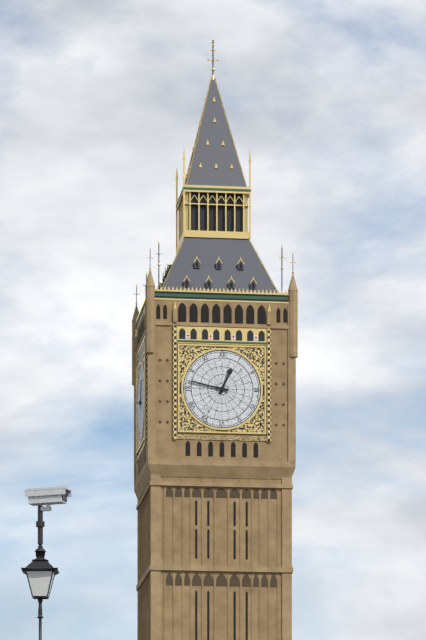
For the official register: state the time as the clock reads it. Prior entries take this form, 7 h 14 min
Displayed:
12 h 47 min
